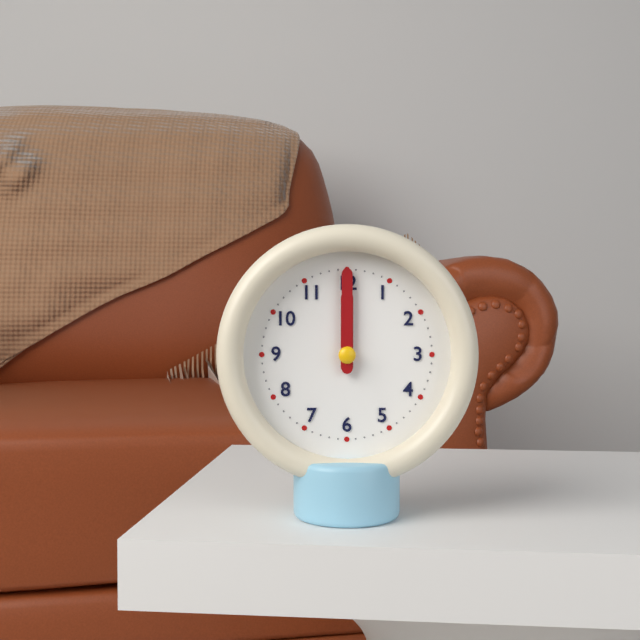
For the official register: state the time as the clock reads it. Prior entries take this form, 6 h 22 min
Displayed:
12 h 00 min
